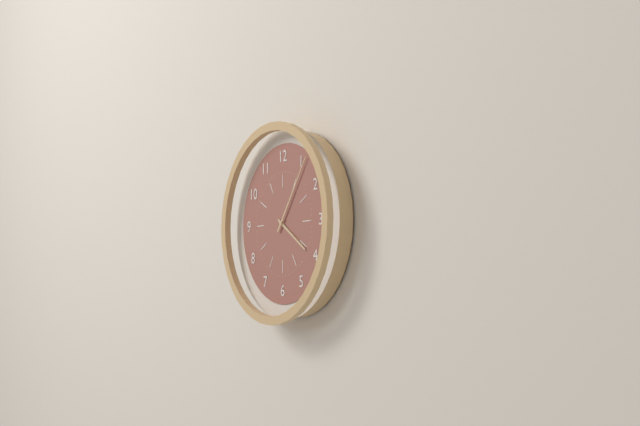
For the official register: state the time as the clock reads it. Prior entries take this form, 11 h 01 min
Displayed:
4 h 06 min
